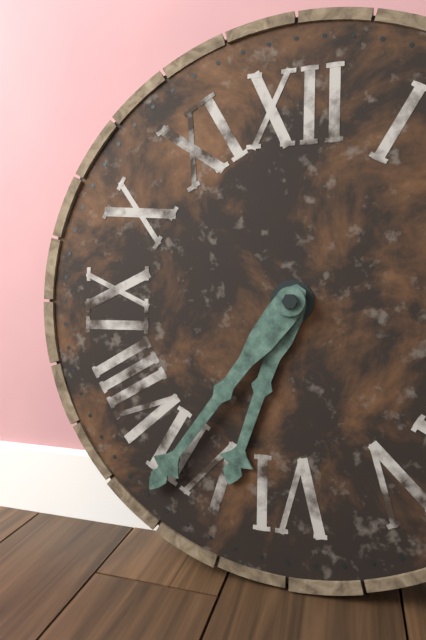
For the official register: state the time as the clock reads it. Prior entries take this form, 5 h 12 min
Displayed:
6 h 36 min
